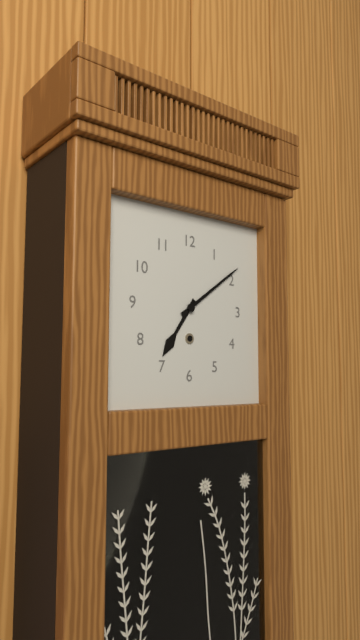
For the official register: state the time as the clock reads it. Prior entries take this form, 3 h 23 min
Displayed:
7 h 09 min
